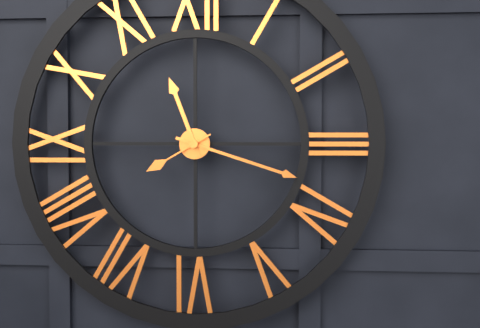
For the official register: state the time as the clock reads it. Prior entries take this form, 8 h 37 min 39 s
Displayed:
11 h 18 min 40 s
